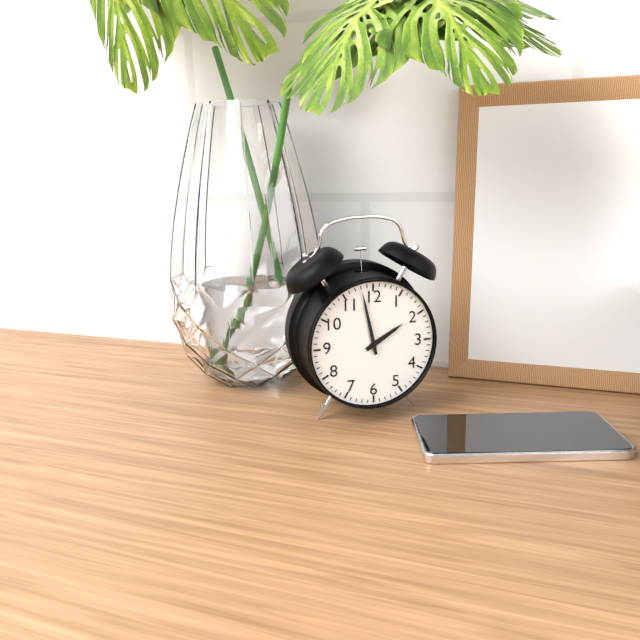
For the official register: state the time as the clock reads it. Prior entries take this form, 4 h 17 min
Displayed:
1 h 58 min
